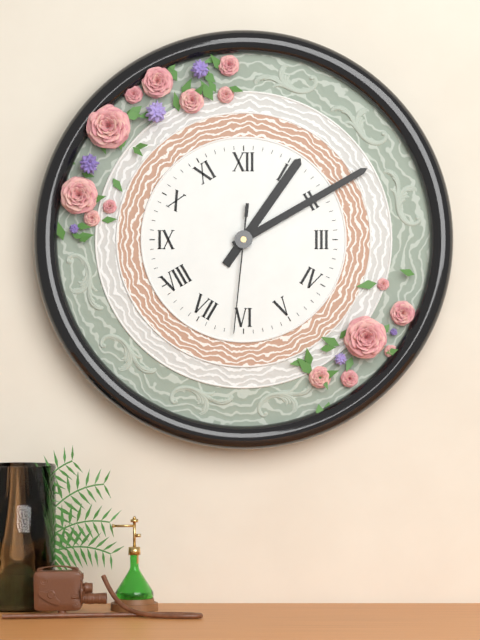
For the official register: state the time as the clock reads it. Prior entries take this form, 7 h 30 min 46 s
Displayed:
1 h 10 min 31 s
